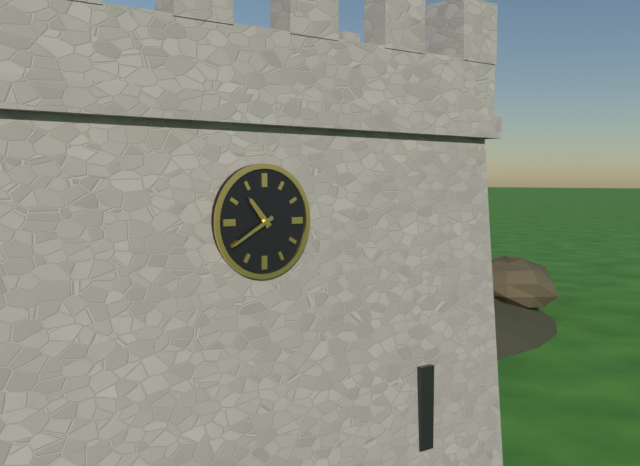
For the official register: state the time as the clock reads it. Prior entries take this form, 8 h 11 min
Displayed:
10 h 40 min
